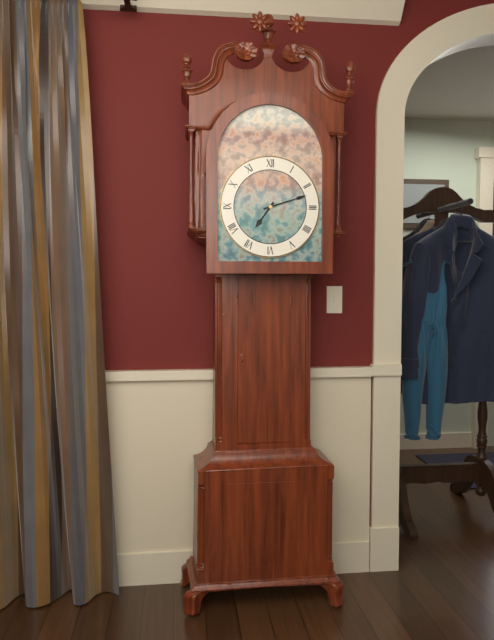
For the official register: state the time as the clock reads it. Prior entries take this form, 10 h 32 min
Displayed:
7 h 12 min
